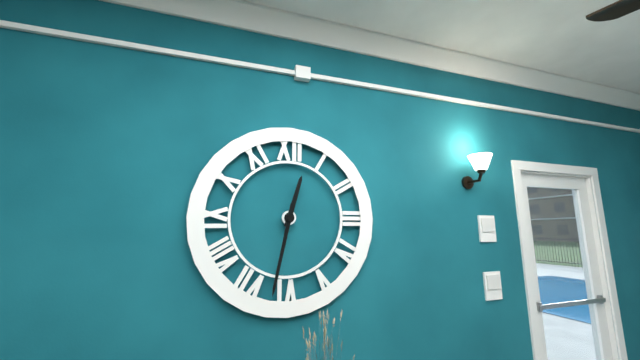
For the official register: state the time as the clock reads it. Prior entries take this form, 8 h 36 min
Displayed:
12 h 32 min
